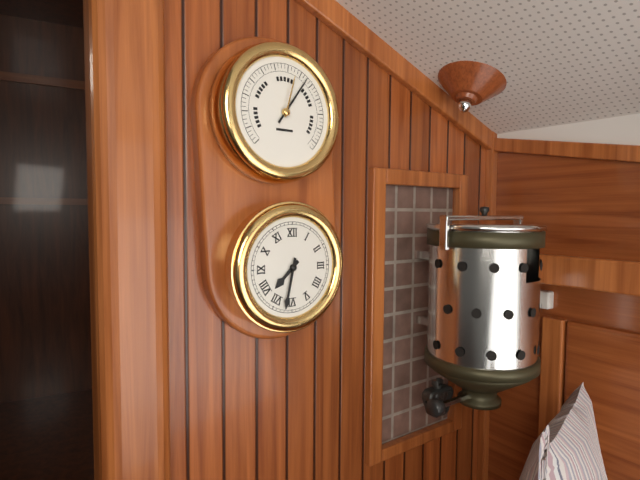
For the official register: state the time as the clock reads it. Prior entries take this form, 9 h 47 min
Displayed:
7 h 32 min
